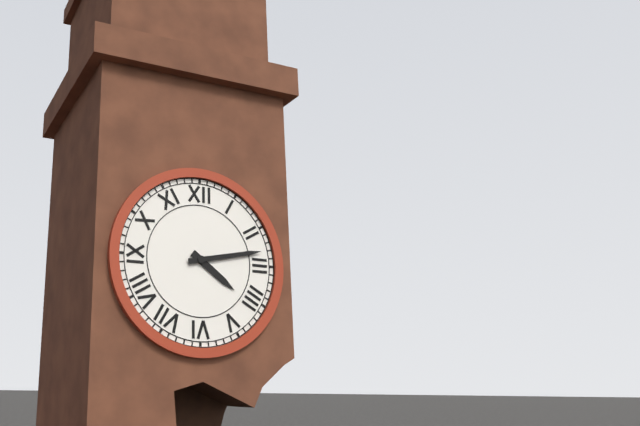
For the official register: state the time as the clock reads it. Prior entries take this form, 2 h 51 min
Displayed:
4 h 13 min
